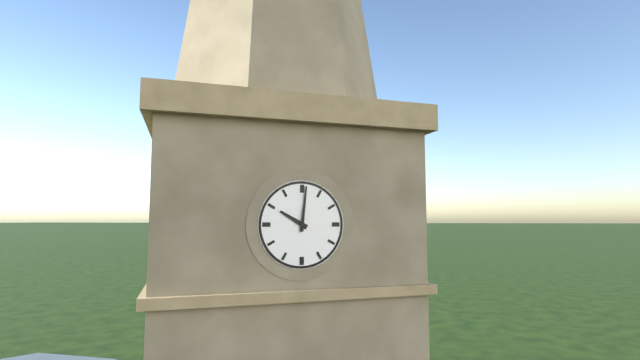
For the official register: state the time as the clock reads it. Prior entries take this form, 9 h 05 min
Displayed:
10 h 01 min
